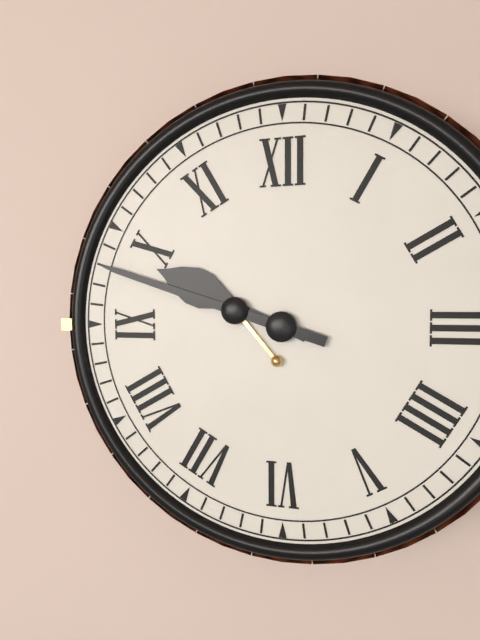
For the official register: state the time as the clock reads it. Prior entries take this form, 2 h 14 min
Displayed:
9 h 48 min
